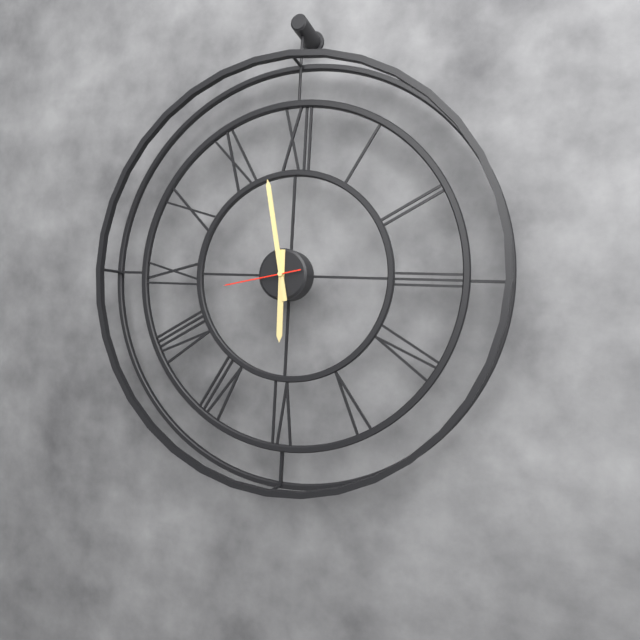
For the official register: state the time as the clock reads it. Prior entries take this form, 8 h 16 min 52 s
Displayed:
5 h 58 min 43 s
